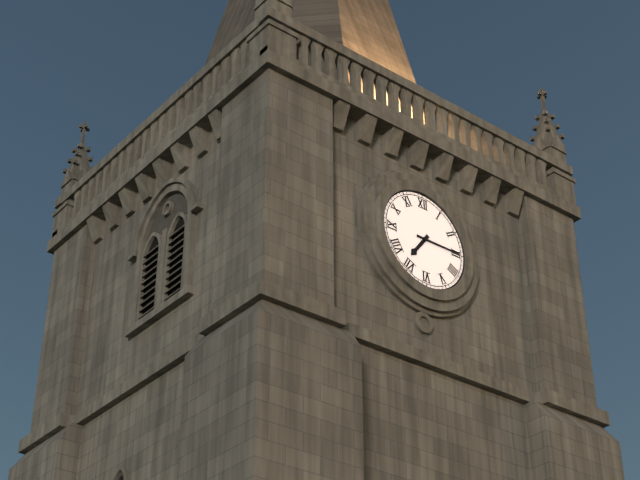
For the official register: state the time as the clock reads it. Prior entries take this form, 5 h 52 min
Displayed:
7 h 15 min
